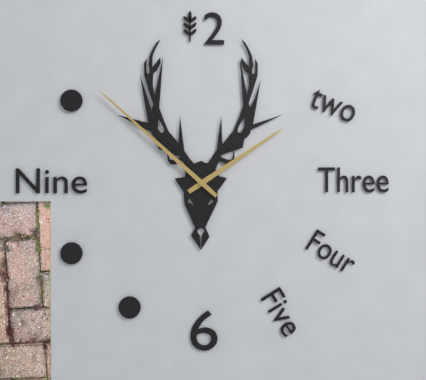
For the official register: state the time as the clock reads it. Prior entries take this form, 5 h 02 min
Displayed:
1 h 52 min
